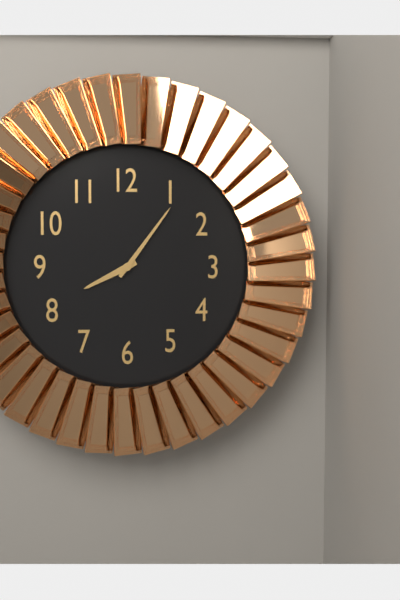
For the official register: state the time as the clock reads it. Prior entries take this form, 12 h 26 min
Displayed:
8 h 06 min
